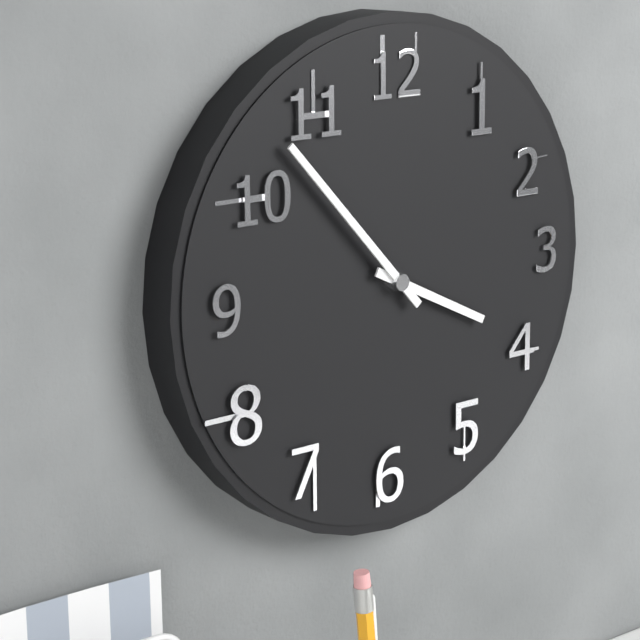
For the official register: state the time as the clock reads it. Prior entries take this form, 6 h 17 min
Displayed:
3 h 53 min
